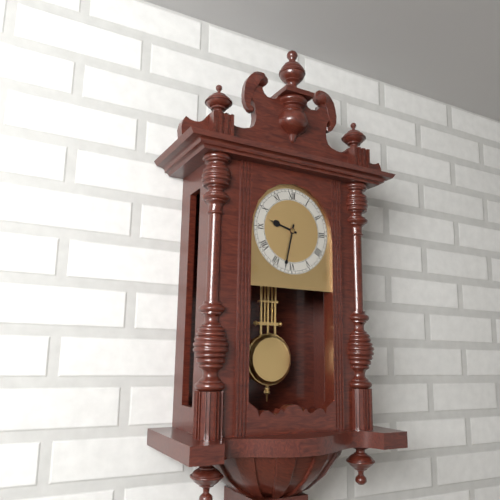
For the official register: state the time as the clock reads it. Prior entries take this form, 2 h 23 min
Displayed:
9 h 32 min
